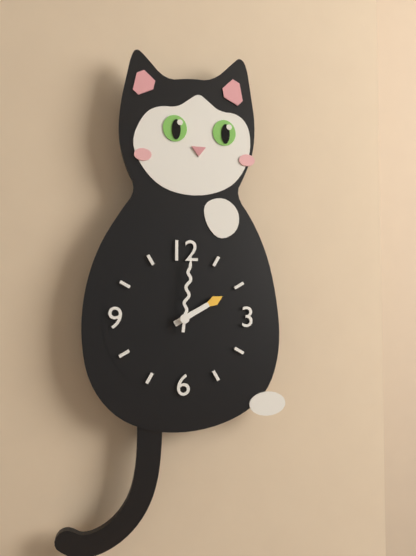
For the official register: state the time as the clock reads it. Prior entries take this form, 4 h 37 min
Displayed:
2 h 01 min
